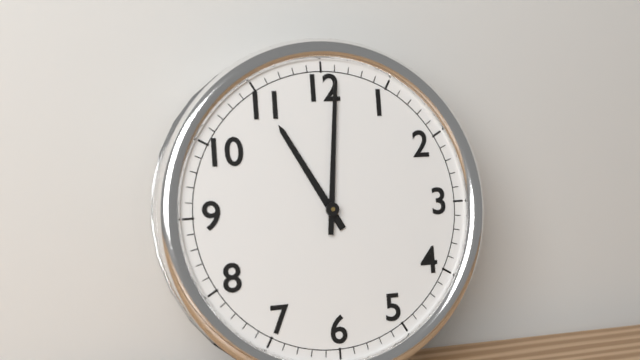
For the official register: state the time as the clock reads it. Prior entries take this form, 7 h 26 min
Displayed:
11 h 01 min
